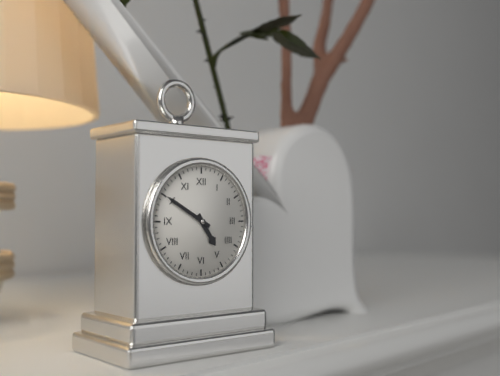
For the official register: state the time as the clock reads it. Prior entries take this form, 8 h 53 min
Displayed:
4 h 50 min
